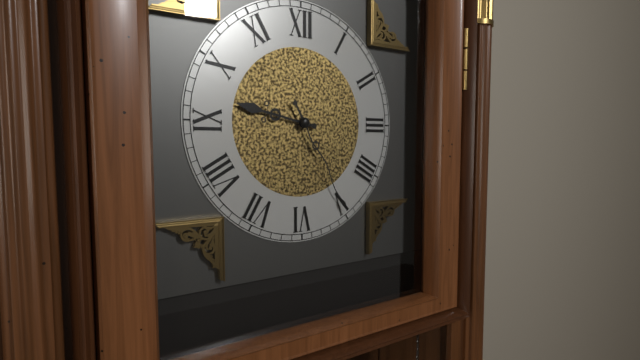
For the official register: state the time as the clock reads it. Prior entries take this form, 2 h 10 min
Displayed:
9 h 25 min
